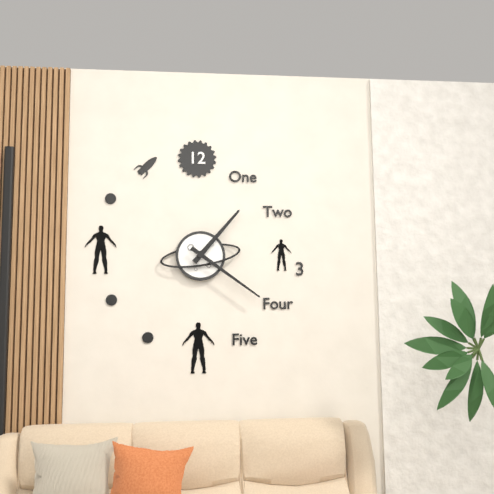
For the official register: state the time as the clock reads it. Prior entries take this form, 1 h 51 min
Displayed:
1 h 21 min
